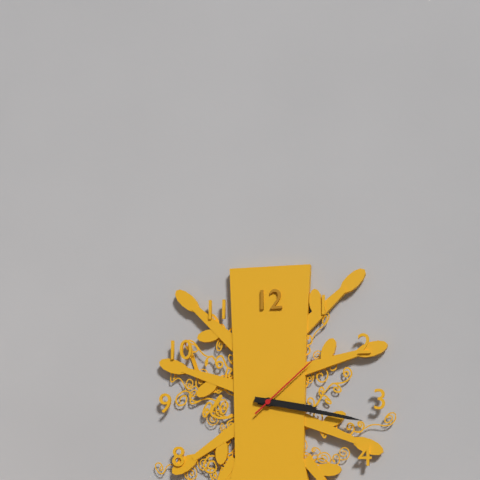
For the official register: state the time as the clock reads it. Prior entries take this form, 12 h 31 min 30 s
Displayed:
3 h 17 min 08 s
